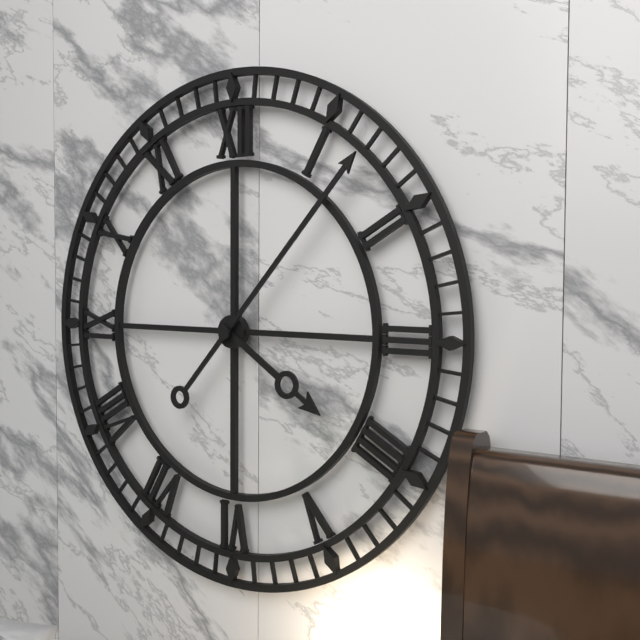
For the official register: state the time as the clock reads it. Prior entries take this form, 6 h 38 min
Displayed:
4 h 07 min
